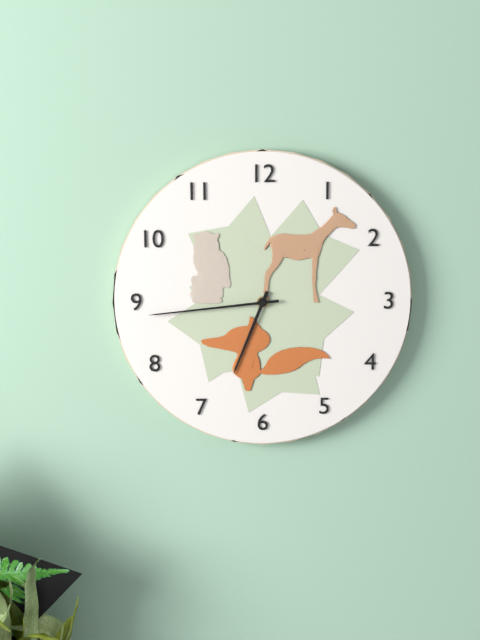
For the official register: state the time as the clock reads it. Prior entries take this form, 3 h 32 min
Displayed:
6 h 44 min
